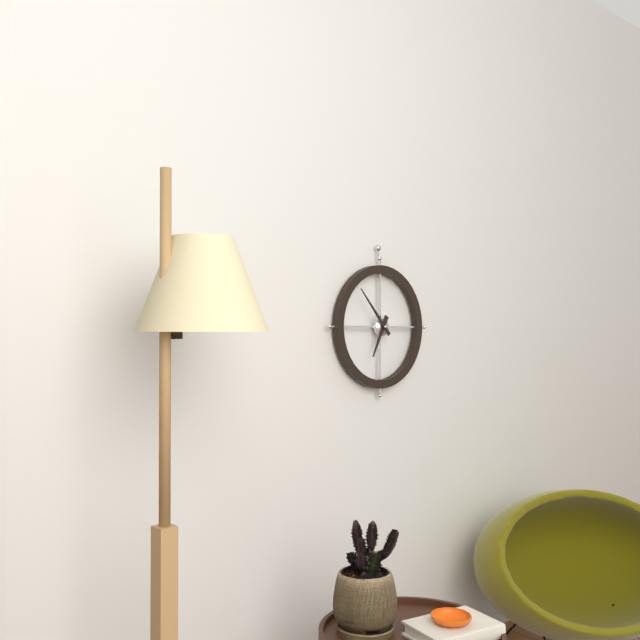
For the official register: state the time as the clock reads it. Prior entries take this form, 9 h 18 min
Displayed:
6 h 53 min
